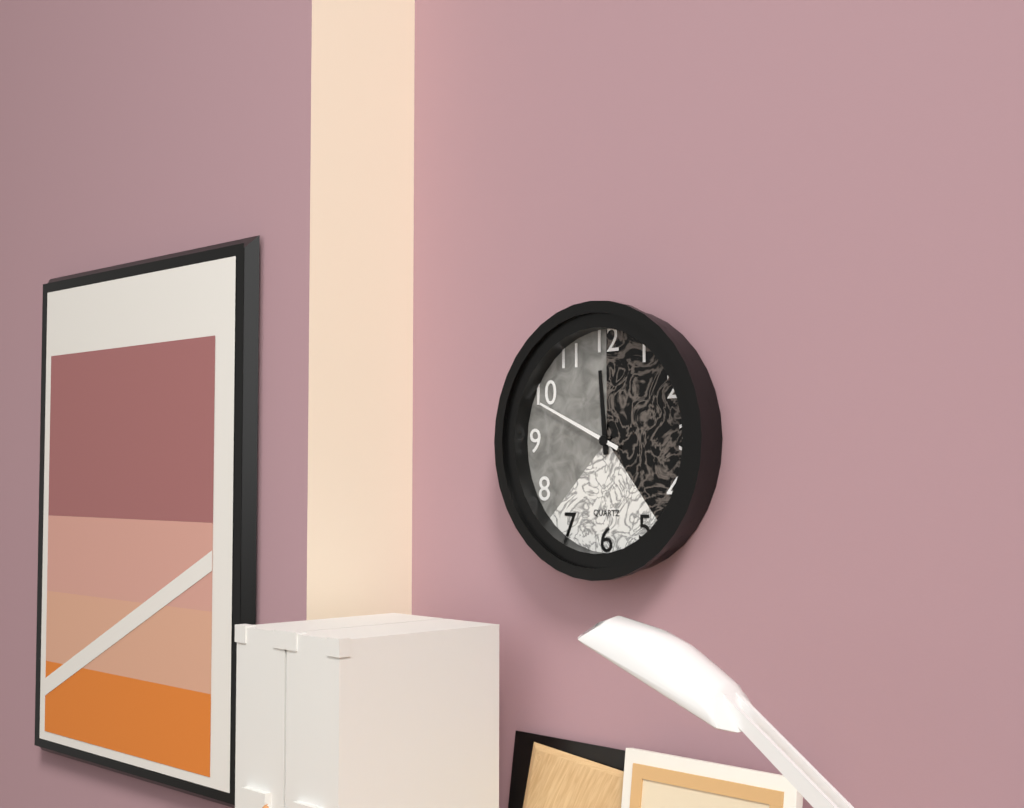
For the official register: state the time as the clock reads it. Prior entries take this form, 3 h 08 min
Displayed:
11 h 49 min
